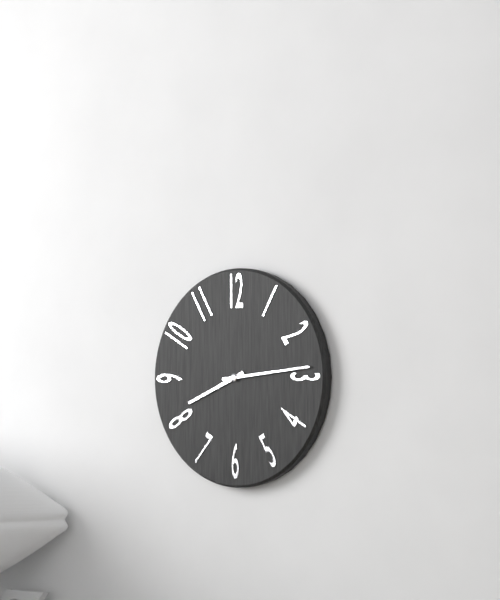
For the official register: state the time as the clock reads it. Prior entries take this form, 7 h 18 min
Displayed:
8 h 14 min
